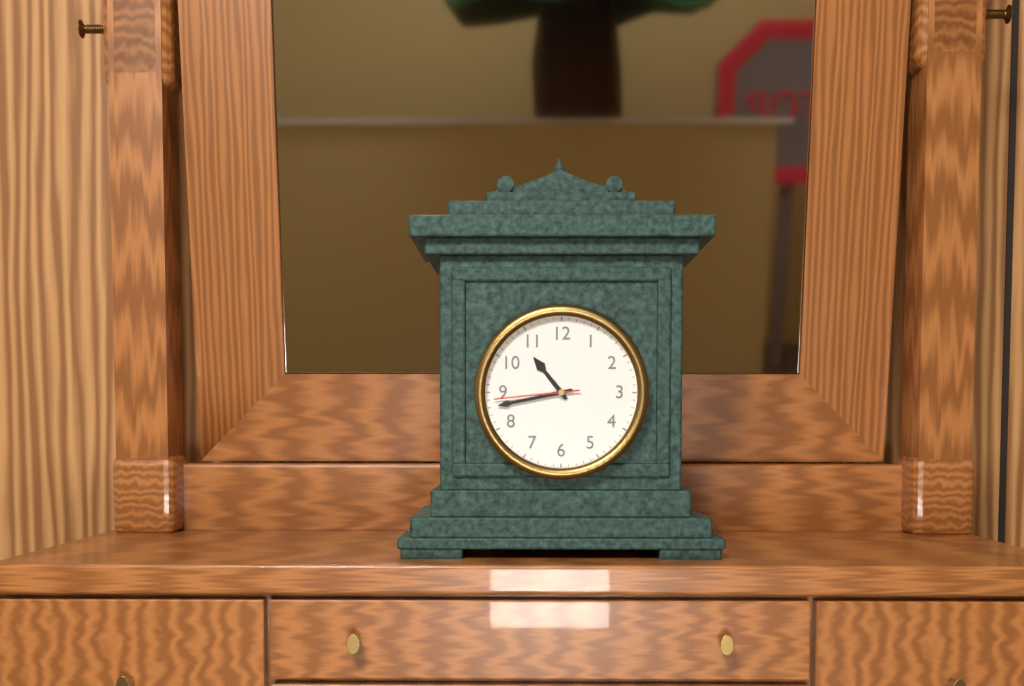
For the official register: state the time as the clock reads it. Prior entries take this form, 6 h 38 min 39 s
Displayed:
10 h 43 min 44 s
